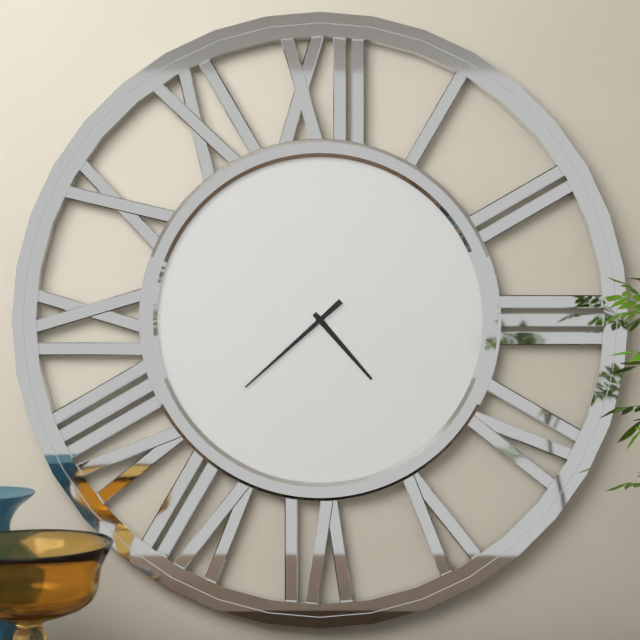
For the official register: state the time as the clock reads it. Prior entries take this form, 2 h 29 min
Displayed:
4 h 38 min
